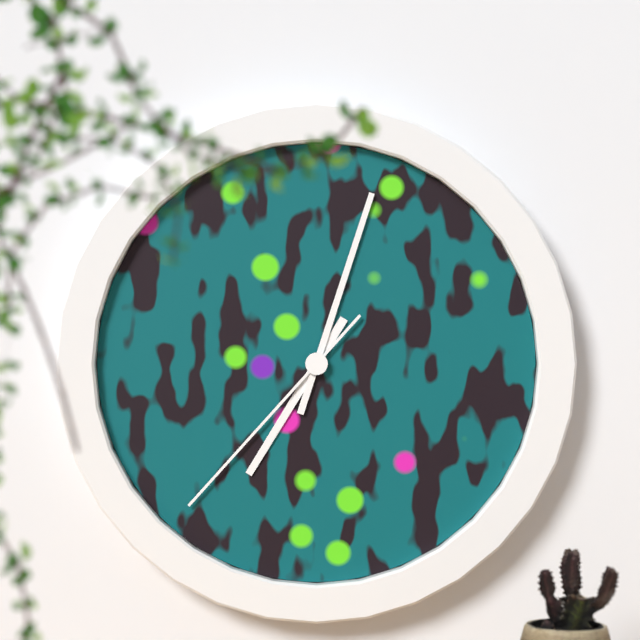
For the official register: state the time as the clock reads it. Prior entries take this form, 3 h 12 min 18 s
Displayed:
7 h 03 min 37 s
